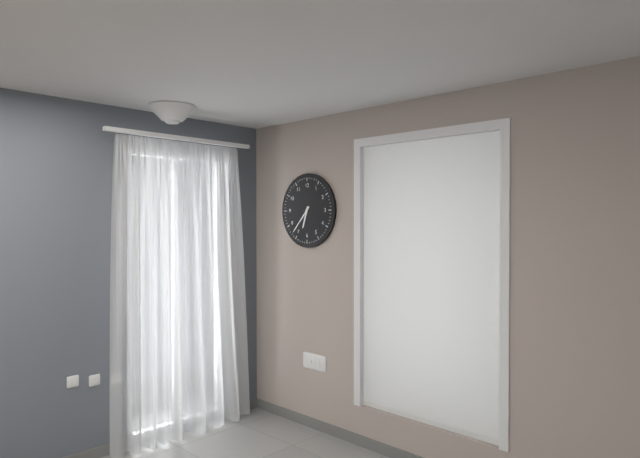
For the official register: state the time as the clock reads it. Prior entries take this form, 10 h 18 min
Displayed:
6 h 37 min
